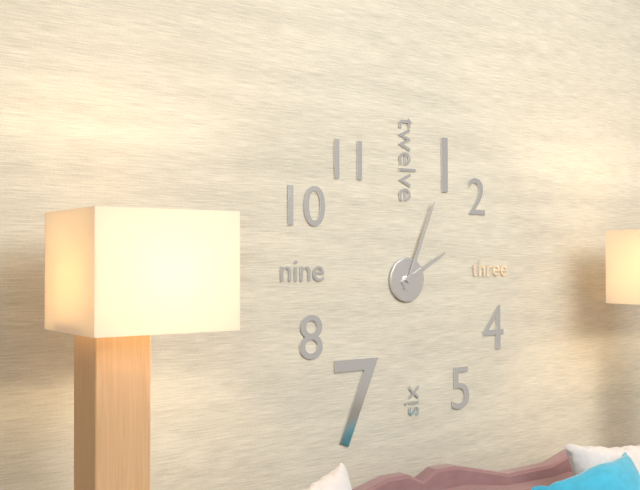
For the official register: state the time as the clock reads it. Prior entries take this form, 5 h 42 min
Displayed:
2 h 04 min
